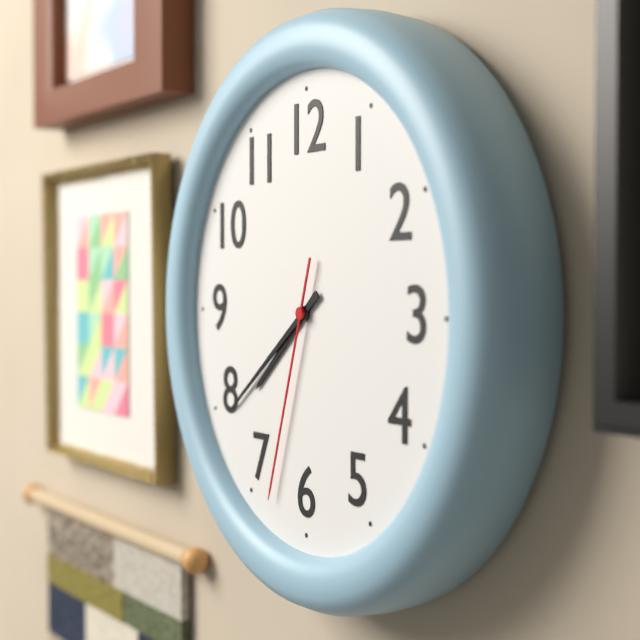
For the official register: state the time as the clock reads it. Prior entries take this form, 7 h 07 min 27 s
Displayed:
7 h 39 min 33 s
